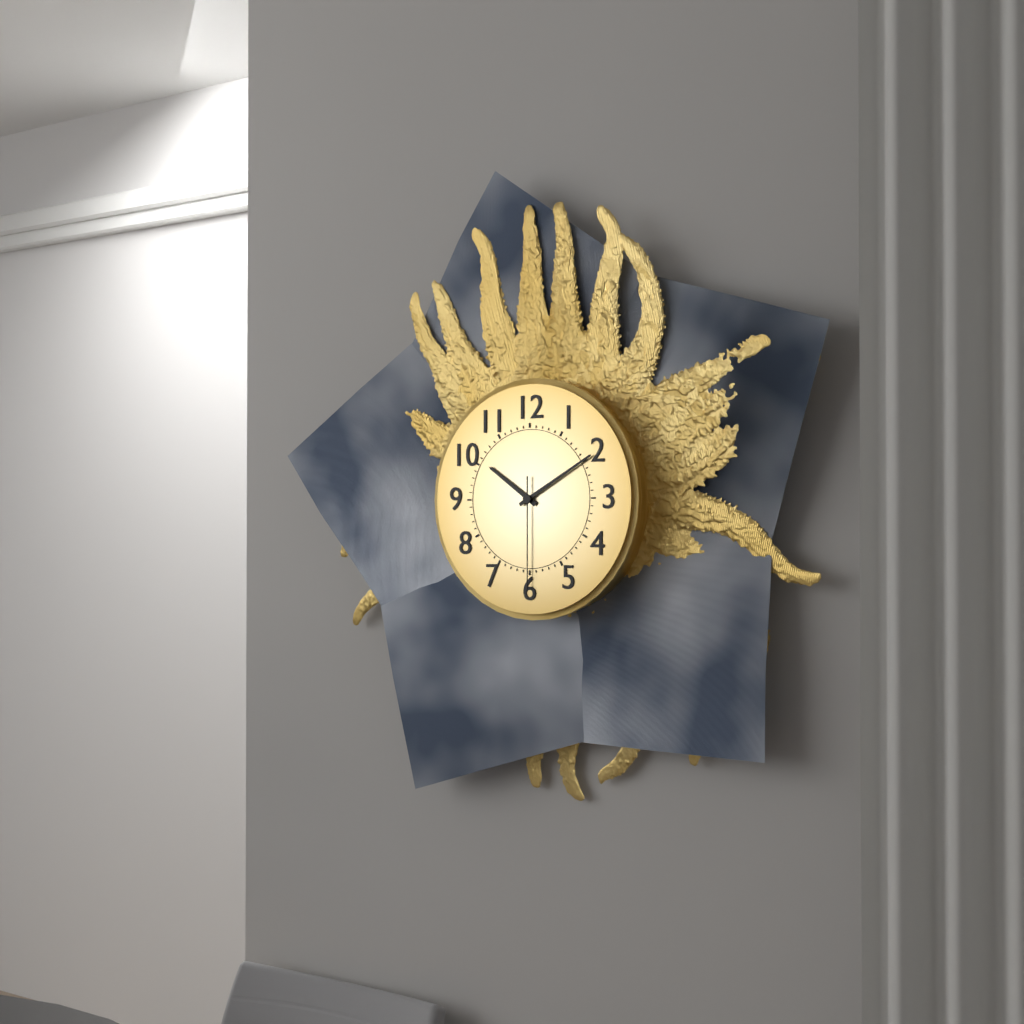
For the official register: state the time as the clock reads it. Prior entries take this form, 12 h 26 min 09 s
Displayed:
10 h 10 min 30 s
